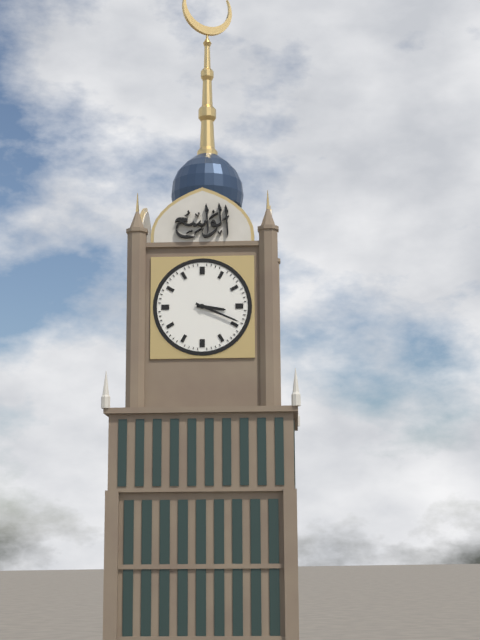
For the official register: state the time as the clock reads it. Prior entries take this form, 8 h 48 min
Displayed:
3 h 19 min
